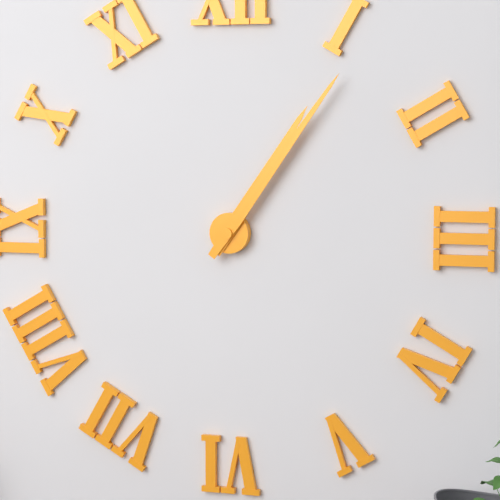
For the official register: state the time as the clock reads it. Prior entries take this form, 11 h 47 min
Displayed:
1 h 06 min
